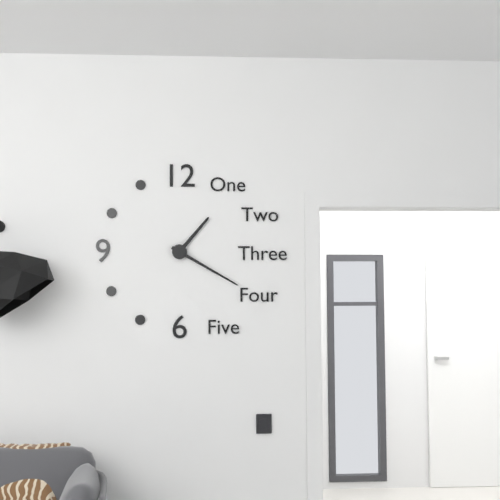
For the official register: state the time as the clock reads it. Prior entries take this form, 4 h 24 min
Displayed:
1 h 20 min
